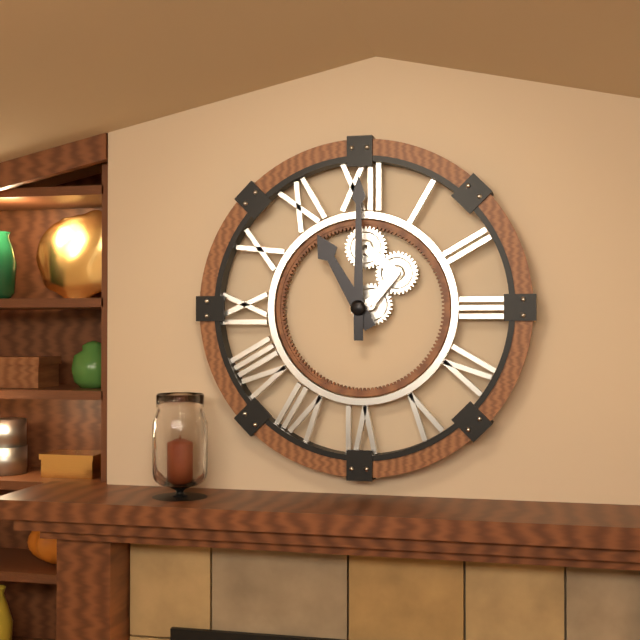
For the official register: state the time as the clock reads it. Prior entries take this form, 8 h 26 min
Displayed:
11 h 00 min
